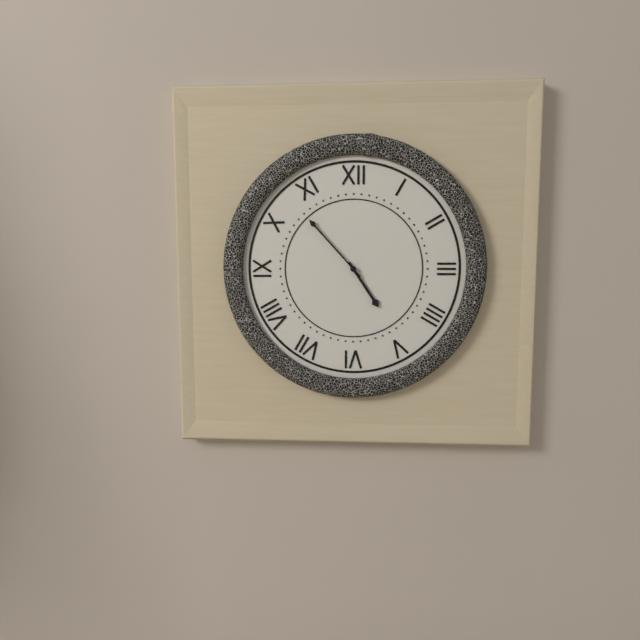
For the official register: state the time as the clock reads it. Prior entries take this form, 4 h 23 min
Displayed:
4 h 53 min
